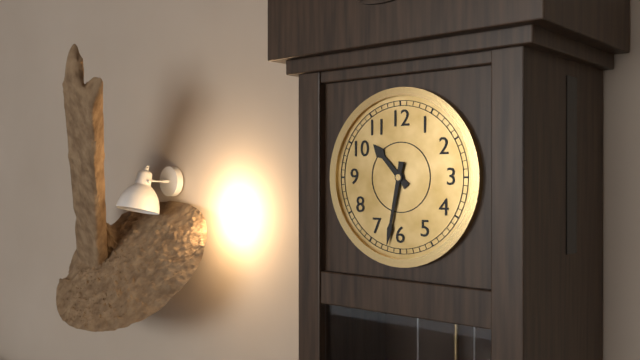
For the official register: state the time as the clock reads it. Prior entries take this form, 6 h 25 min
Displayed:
10 h 32 min
